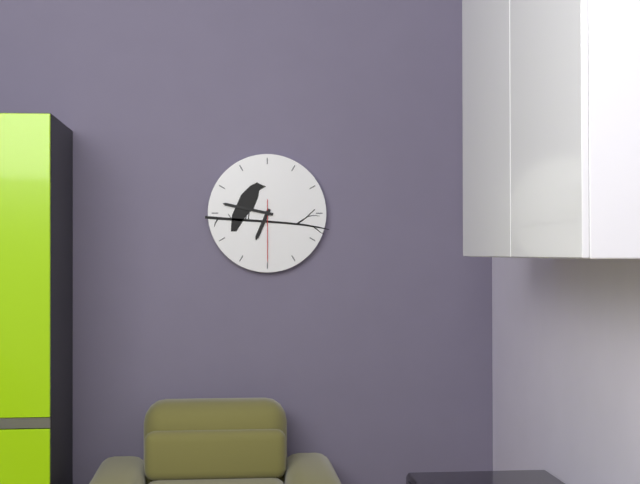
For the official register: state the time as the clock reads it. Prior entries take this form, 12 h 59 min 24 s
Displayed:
6 h 47 min 30 s
